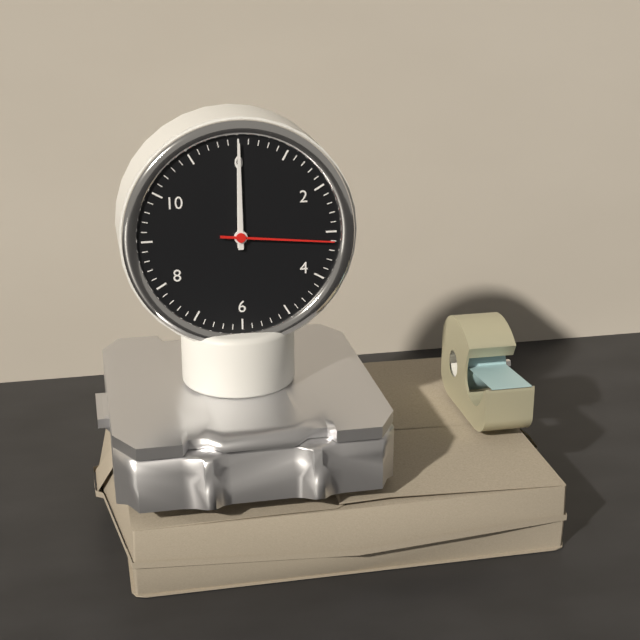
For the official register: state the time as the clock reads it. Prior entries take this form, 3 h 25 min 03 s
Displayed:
12 h 00 min 16 s
